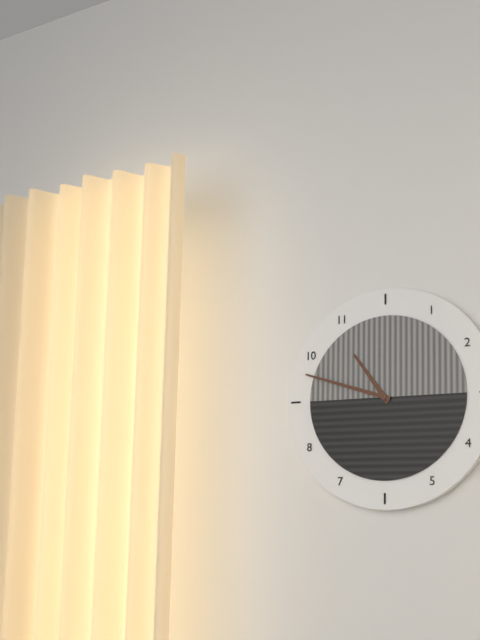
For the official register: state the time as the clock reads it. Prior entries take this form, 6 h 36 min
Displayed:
10 h 48 min
